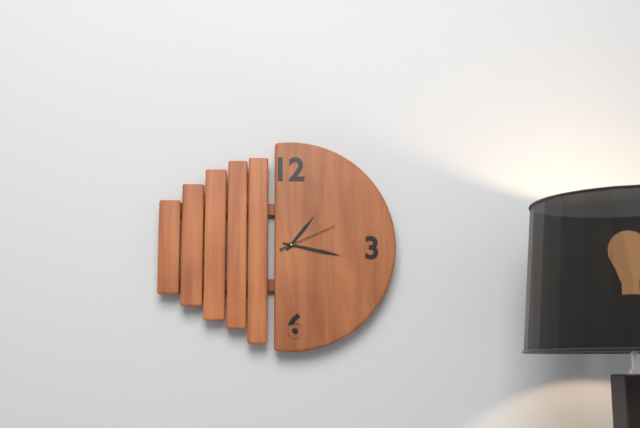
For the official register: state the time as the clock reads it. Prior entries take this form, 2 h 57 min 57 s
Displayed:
1 h 17 min 11 s
